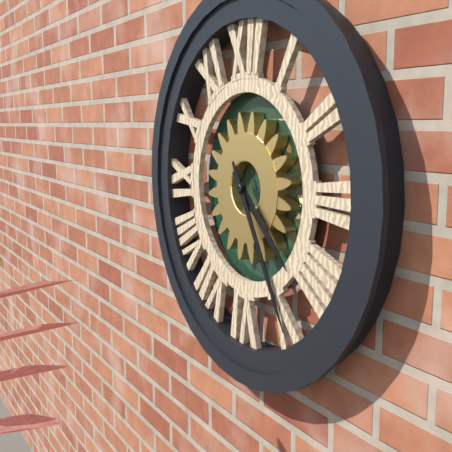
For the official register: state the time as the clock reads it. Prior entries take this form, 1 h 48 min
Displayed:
4 h 25 min
